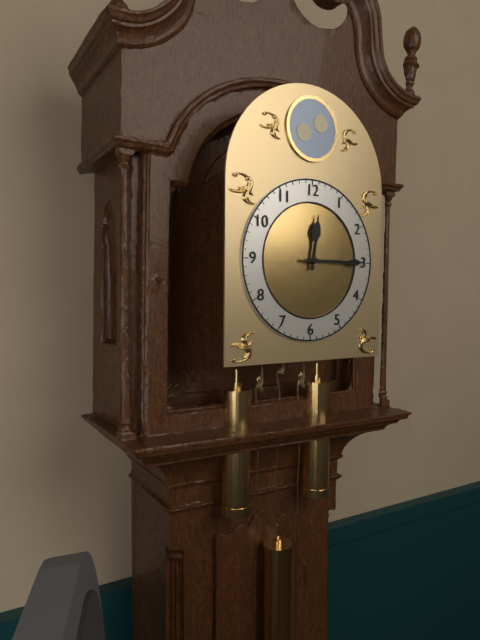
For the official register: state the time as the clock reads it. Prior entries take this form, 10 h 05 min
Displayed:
12 h 15 min
